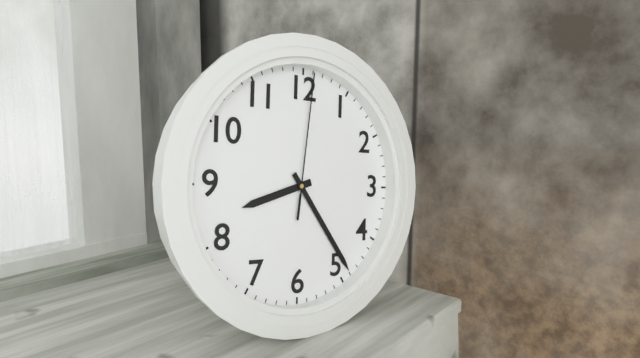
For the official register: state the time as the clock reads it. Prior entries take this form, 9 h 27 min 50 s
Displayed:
8 h 24 min 01 s
